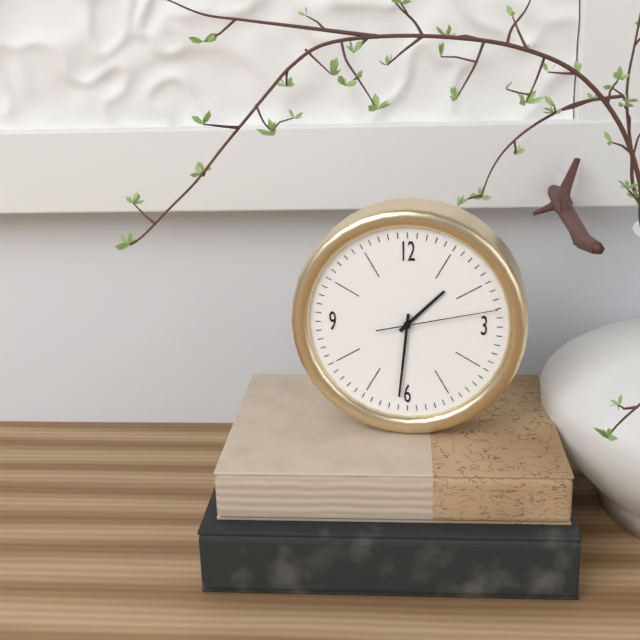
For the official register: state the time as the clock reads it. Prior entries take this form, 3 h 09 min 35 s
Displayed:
1 h 31 min 13 s
